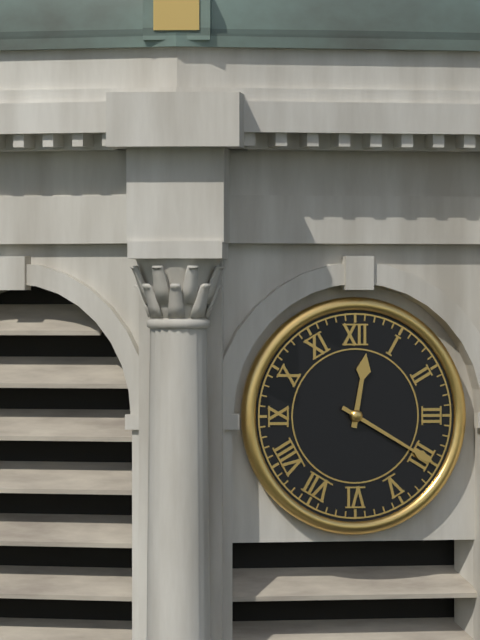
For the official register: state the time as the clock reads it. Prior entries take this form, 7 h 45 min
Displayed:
12 h 20 min
